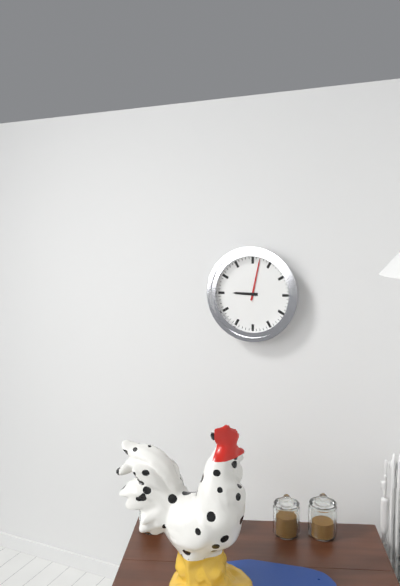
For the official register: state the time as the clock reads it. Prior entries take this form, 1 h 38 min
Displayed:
9 h 02 min
